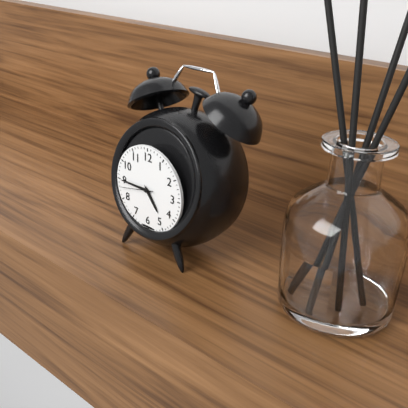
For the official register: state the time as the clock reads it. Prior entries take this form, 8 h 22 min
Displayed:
4 h 45 min
